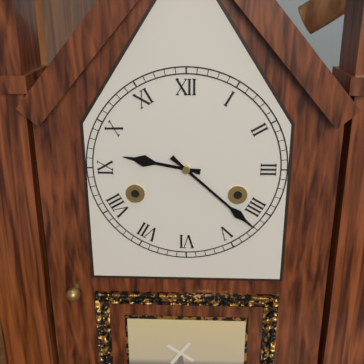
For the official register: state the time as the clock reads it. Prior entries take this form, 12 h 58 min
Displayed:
9 h 22 min
